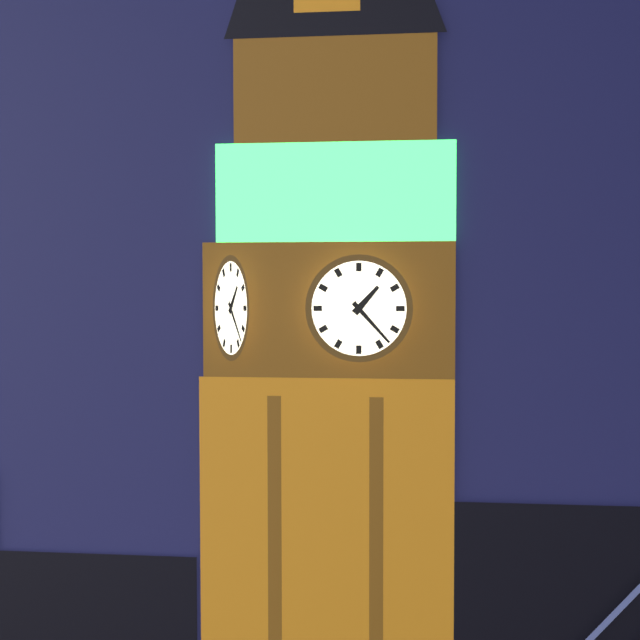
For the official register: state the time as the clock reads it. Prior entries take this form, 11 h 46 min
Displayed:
1 h 23 min
